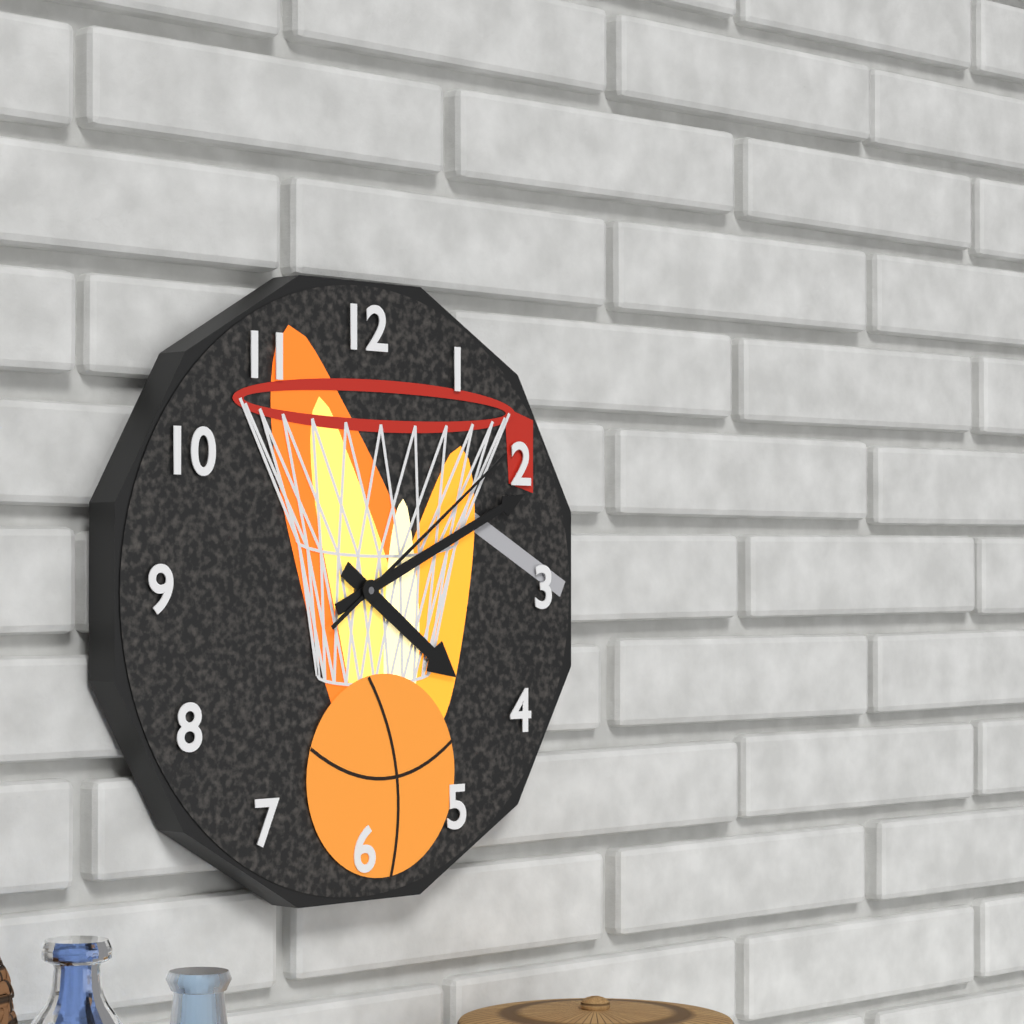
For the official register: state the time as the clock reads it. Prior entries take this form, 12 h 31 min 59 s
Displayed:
4 h 11 min 09 s
